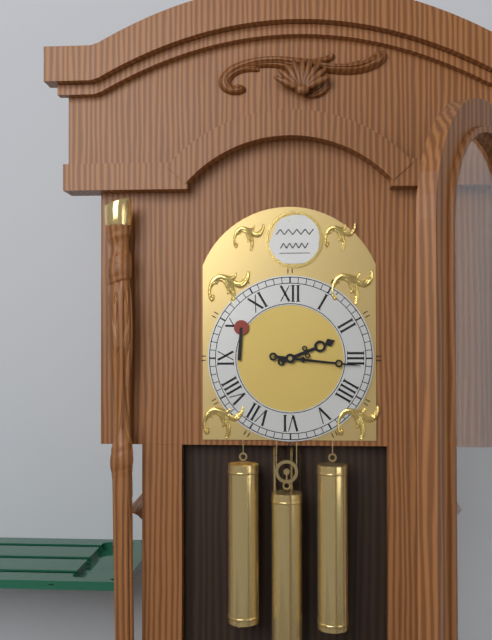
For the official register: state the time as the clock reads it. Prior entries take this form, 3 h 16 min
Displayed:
2 h 16 min
